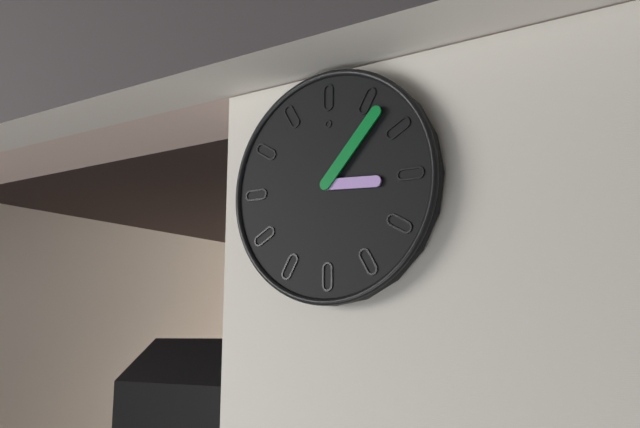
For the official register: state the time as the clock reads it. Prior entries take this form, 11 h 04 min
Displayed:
3 h 07 min
